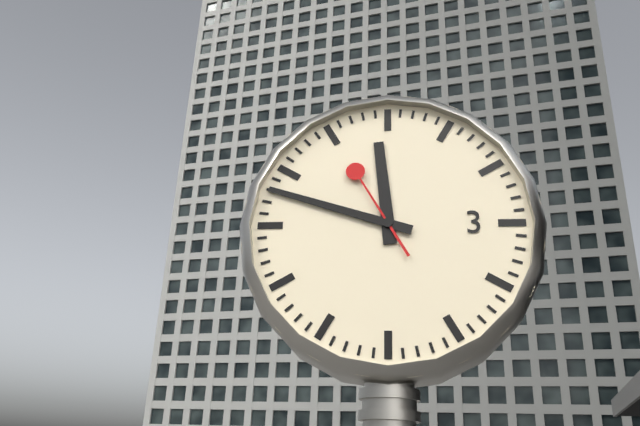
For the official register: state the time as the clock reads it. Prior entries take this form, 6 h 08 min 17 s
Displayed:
11 h 48 min 55 s
